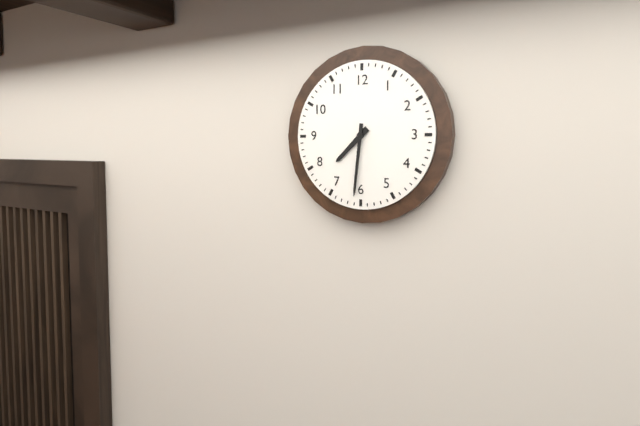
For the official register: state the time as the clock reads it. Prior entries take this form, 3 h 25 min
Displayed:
7 h 31 min
